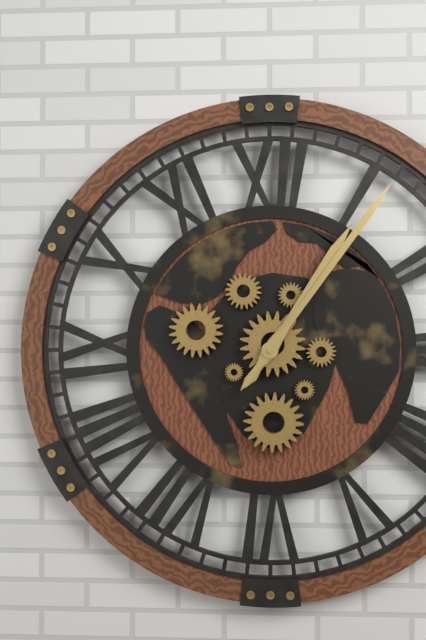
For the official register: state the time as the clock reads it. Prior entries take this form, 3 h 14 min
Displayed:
1 h 06 min
